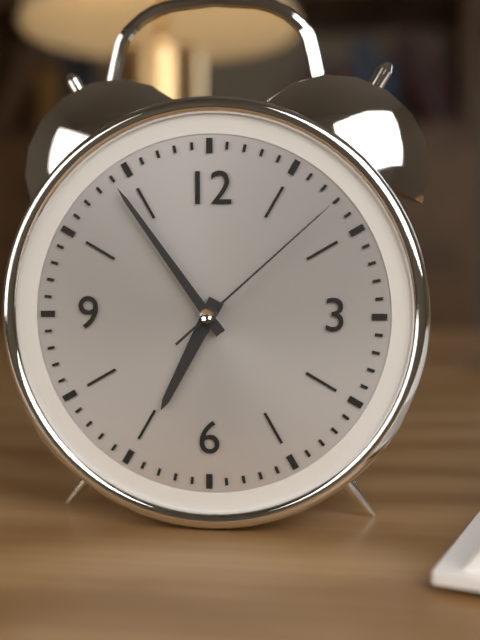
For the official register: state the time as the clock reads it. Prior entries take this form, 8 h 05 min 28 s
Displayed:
6 h 54 min 08 s
